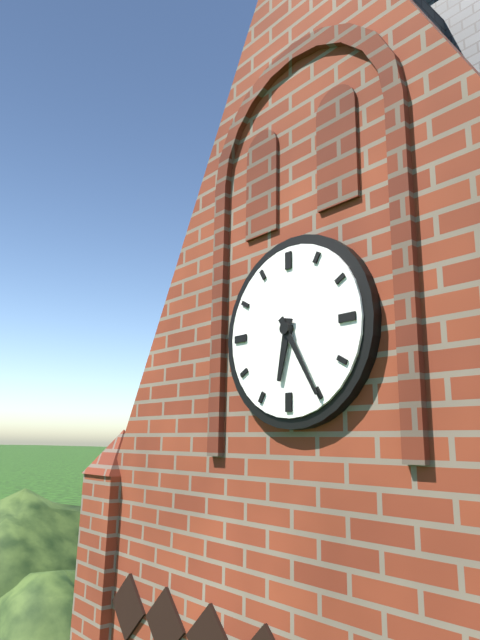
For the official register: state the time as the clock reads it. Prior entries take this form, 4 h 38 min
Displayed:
6 h 25 min
